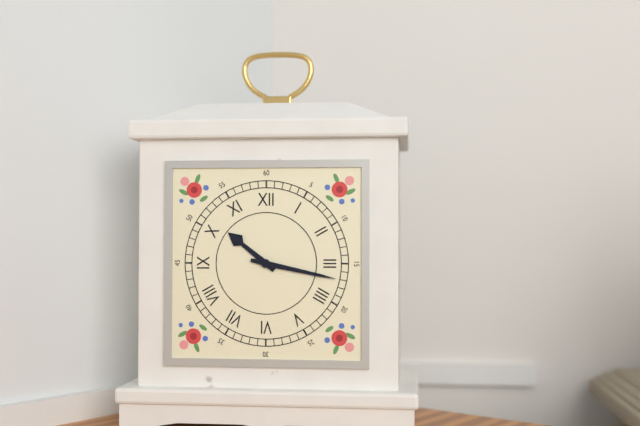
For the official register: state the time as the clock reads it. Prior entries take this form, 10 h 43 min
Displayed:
10 h 17 min
